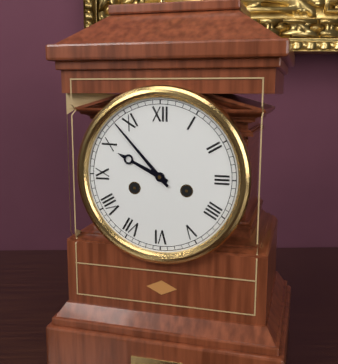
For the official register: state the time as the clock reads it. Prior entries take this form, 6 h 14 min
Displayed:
9 h 53 min
